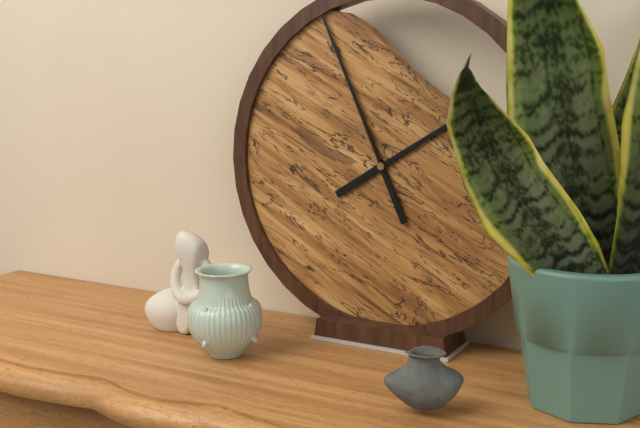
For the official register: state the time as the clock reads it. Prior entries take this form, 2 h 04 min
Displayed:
1 h 56 min
